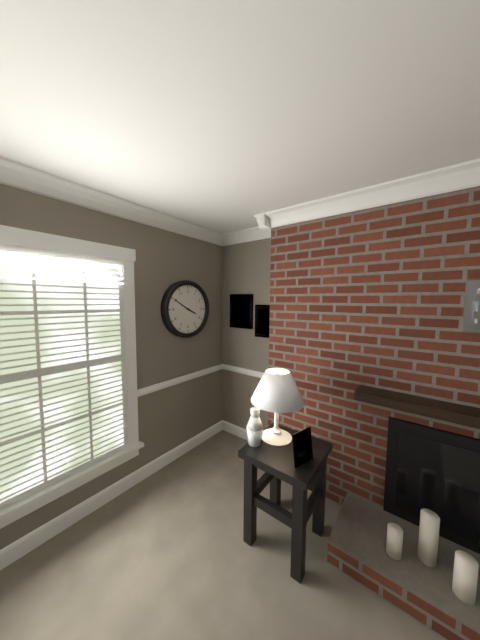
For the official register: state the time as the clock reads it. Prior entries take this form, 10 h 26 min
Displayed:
3 h 50 min
